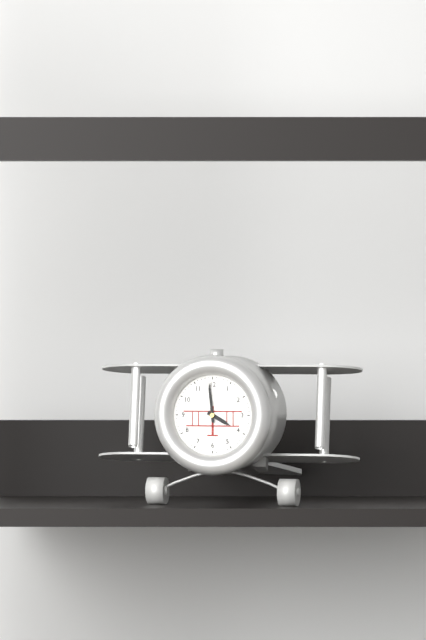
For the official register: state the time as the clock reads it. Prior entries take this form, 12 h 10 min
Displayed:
3 h 59 min
